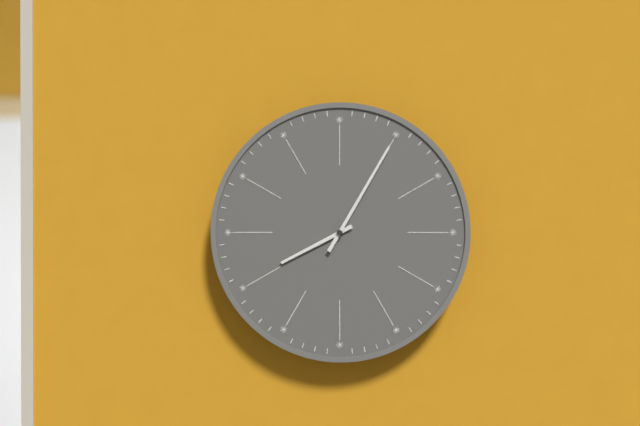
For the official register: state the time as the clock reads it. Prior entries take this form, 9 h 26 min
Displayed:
8 h 05 min
